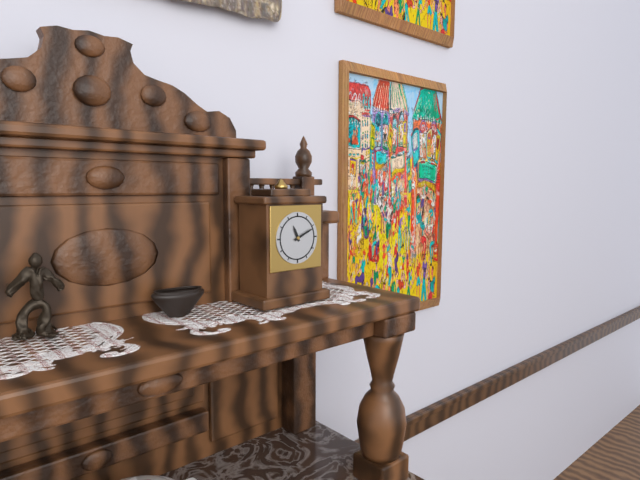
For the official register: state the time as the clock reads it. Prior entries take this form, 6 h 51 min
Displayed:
11 h 11 min
